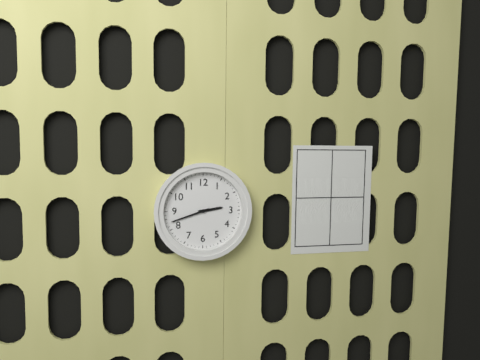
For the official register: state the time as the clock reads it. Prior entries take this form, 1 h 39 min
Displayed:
2 h 42 min
